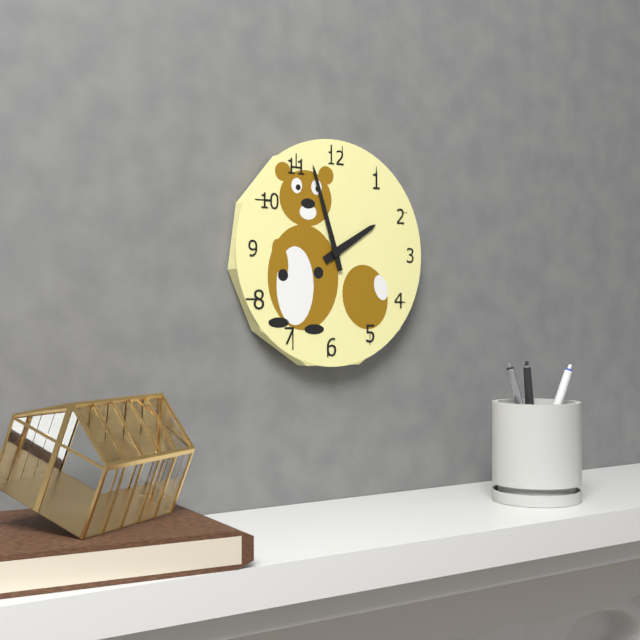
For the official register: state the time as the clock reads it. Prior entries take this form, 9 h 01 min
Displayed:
1 h 57 min
